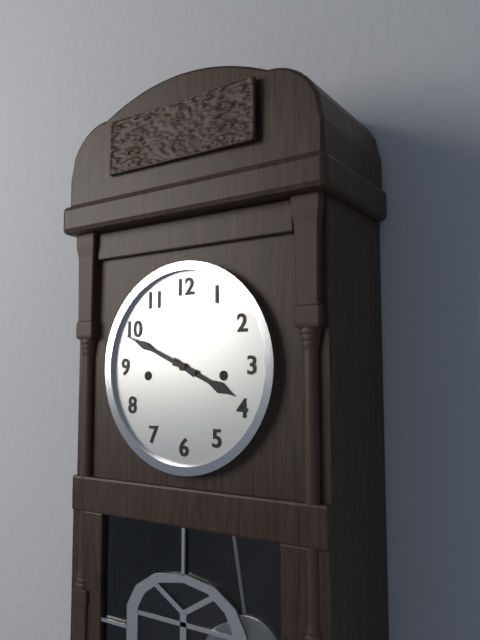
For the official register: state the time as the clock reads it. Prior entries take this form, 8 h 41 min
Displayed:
3 h 49 min
